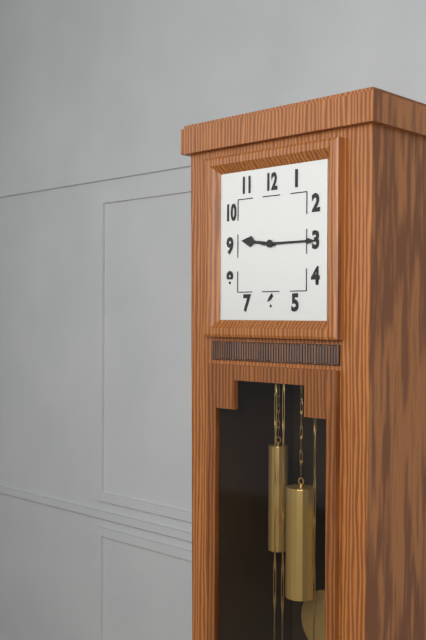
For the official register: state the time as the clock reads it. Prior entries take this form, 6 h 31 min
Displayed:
9 h 15 min
